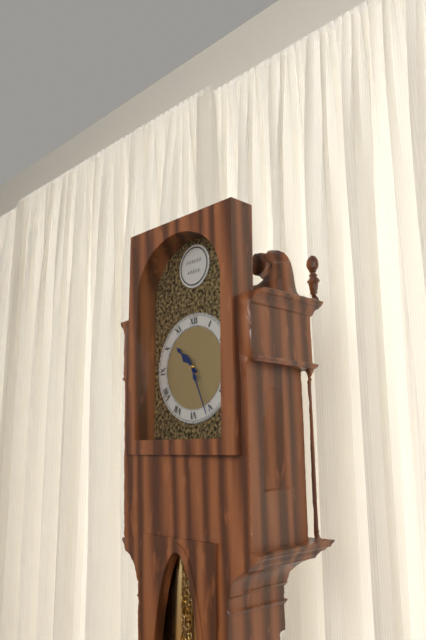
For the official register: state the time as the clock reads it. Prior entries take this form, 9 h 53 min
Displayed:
10 h 26 min
